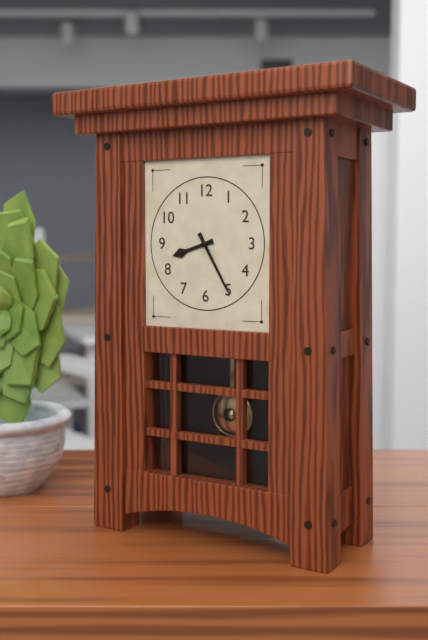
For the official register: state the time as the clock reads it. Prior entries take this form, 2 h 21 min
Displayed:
8 h 25 min
